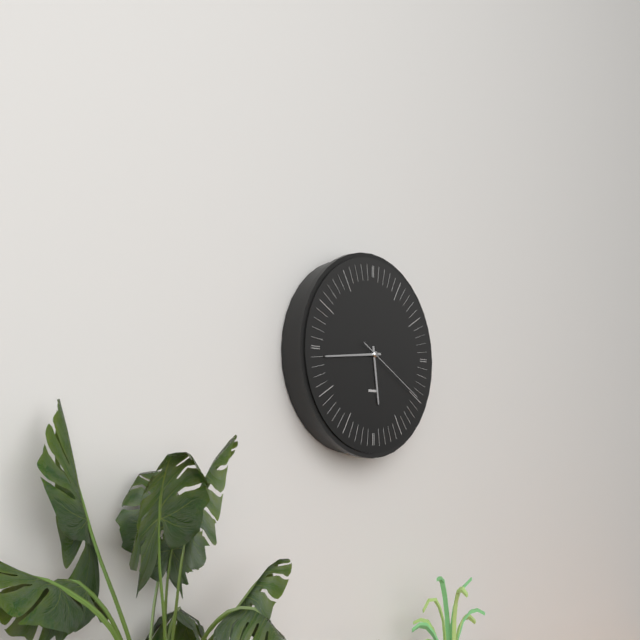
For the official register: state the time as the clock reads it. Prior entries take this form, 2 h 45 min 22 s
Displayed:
5 h 44 min 20 s
